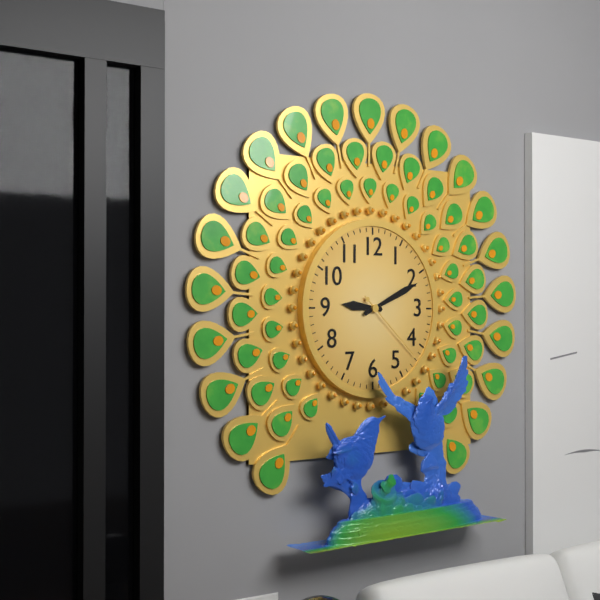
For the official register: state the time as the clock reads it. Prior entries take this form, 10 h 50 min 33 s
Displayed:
9 h 11 min 22 s
